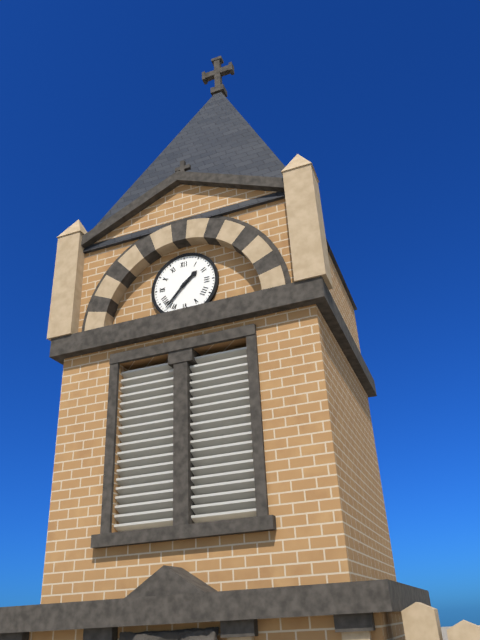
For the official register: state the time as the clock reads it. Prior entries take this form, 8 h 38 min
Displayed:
1 h 37 min
